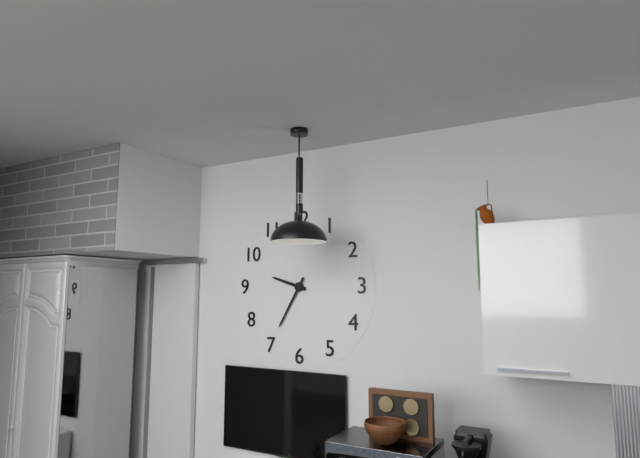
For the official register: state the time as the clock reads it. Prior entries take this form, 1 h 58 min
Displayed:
9 h 35 min
